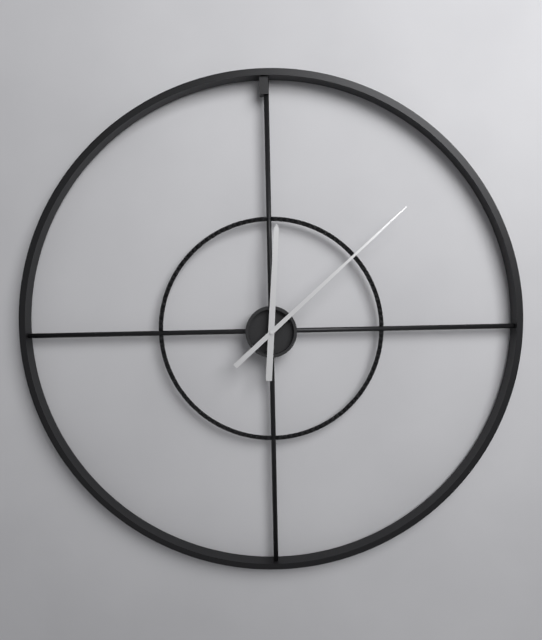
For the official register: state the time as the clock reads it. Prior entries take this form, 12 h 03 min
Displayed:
12 h 08 min
